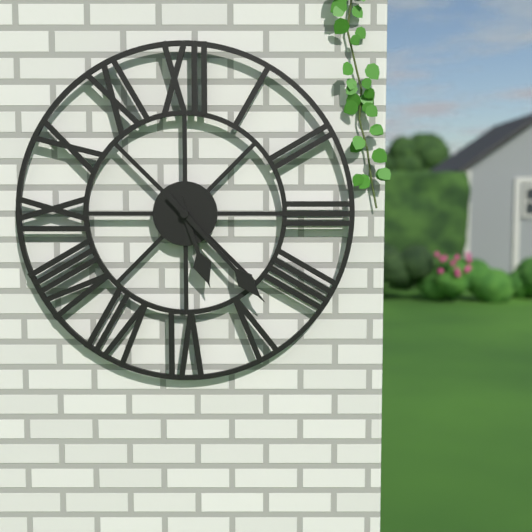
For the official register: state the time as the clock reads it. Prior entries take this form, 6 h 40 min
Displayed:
5 h 23 min
